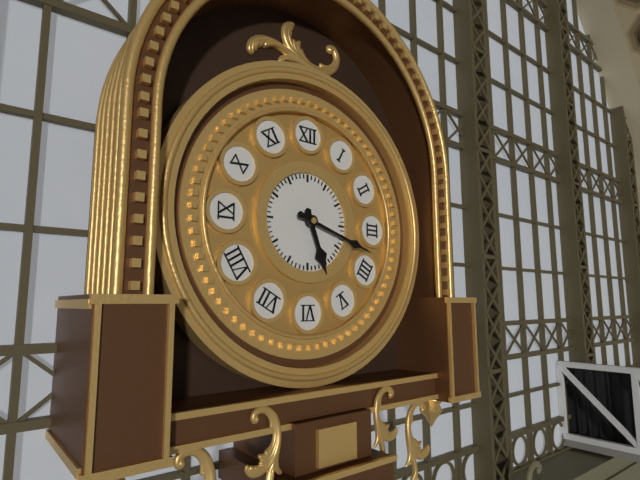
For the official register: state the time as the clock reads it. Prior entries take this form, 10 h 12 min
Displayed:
5 h 18 min
